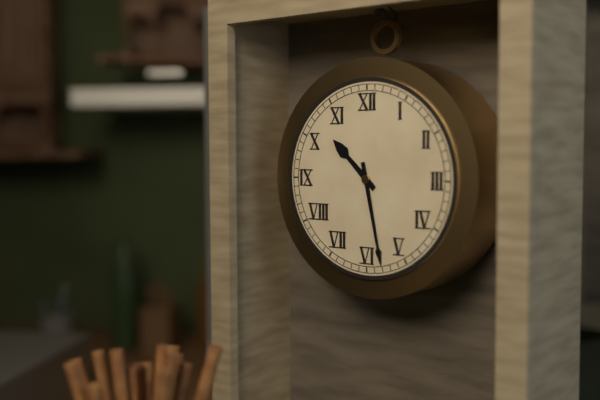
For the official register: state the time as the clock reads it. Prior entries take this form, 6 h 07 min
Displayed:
10 h 28 min
